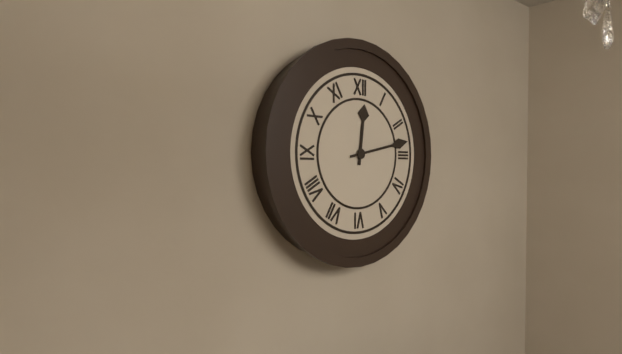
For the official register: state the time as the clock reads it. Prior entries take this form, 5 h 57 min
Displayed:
12 h 13 min
